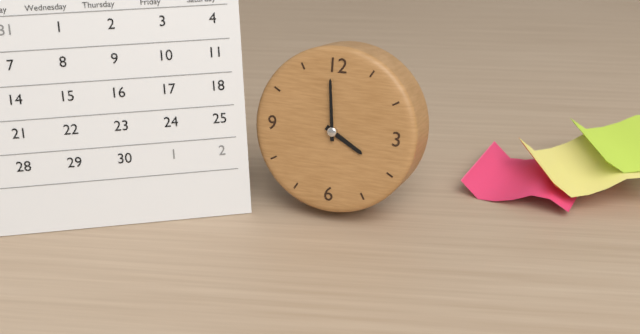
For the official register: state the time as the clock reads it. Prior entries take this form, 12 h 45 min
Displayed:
3 h 59 min
